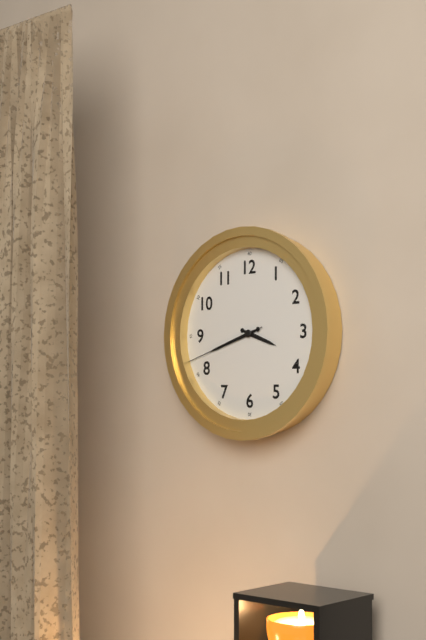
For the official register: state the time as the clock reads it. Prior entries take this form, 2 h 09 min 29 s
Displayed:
3 h 42 min 42 s
